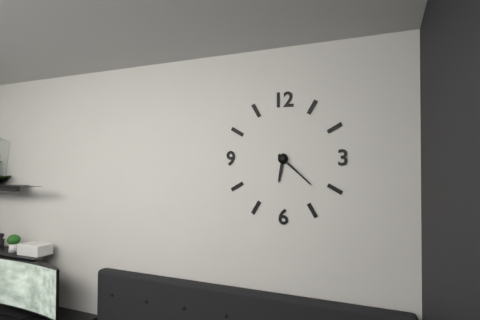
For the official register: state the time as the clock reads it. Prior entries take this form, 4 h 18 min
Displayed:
6 h 22 min
